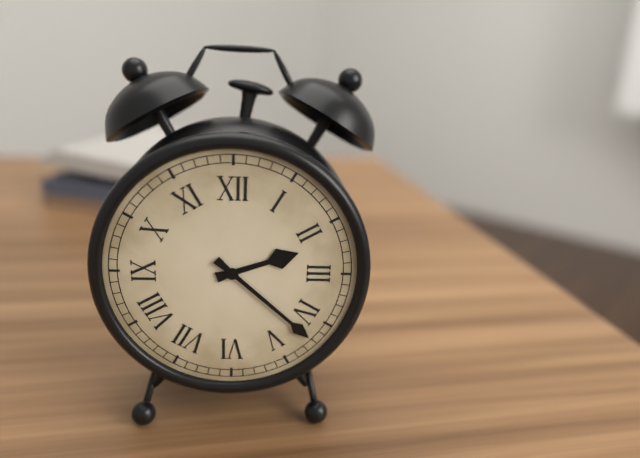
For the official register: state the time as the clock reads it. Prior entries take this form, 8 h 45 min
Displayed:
2 h 22 min
